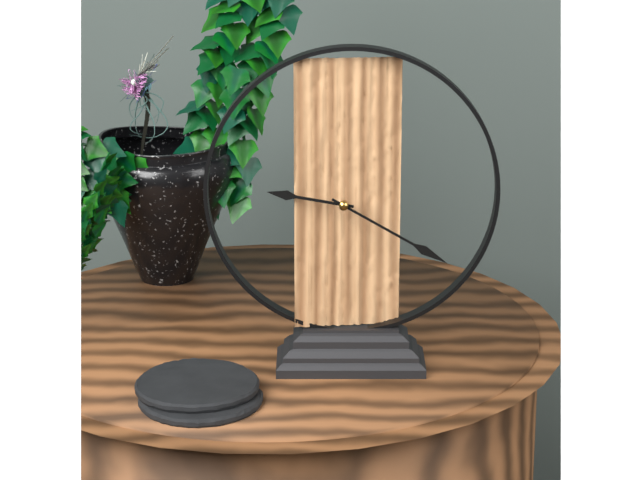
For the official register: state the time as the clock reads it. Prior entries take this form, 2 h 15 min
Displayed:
9 h 20 min
